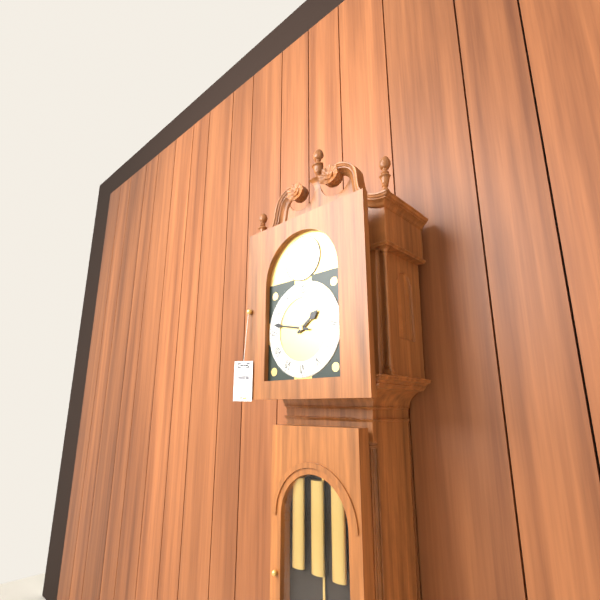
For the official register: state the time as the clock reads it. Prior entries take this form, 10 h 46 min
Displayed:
1 h 47 min
